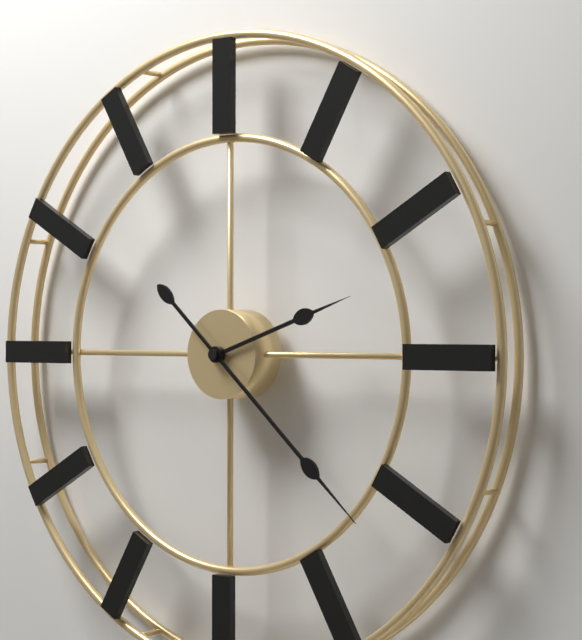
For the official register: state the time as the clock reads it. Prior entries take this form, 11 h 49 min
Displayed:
2 h 22 min
